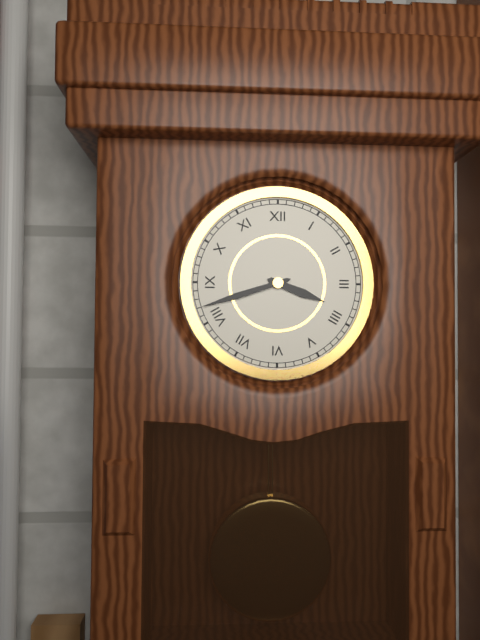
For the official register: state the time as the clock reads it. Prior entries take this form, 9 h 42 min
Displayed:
3 h 42 min
